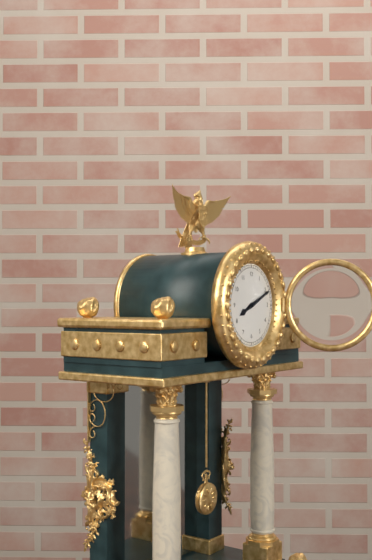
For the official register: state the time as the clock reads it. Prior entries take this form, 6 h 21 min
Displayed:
8 h 11 min
